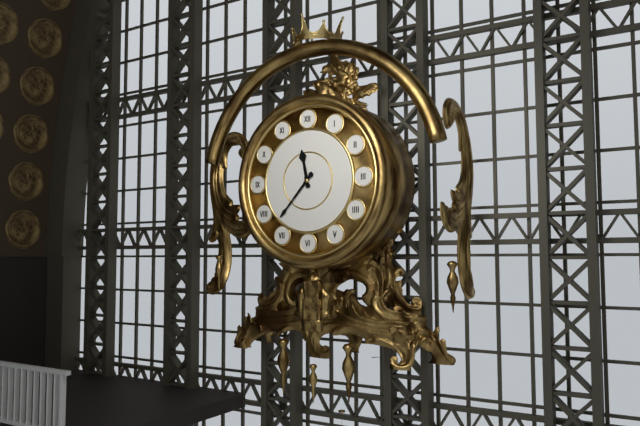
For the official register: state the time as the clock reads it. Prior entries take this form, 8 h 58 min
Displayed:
11 h 37 min
